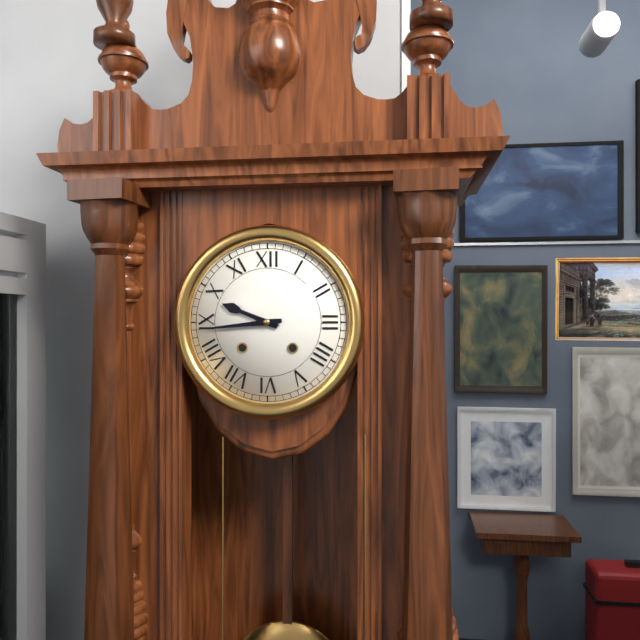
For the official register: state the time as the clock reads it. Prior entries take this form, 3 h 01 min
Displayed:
9 h 44 min
